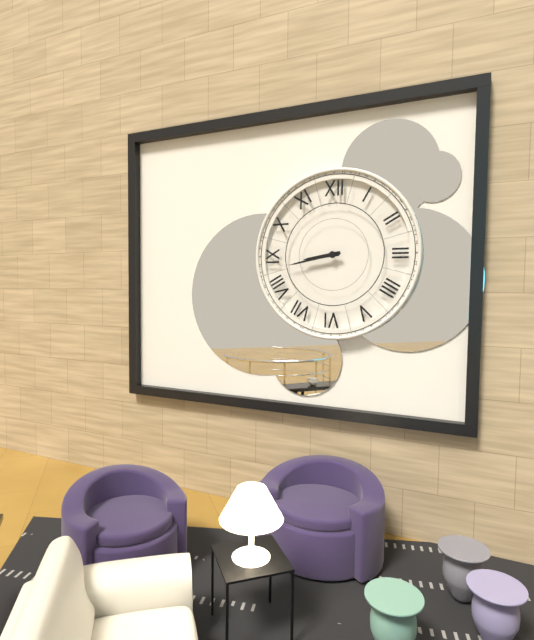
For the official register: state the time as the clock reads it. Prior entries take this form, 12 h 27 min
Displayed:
8 h 43 min
